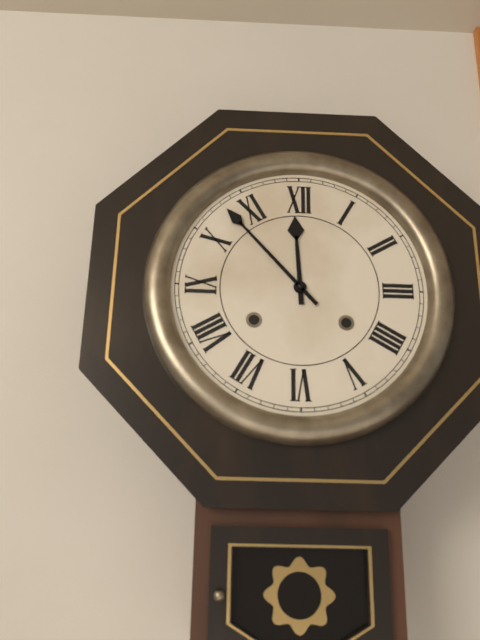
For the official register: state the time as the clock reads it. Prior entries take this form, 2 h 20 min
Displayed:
11 h 53 min
